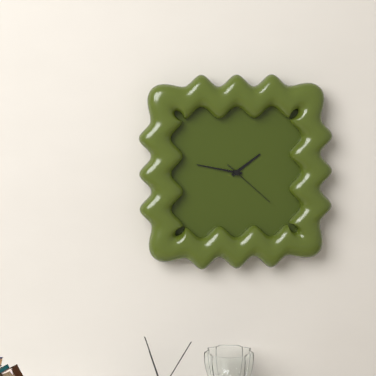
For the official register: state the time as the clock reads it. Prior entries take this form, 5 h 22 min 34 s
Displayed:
1 h 47 min 22 s
